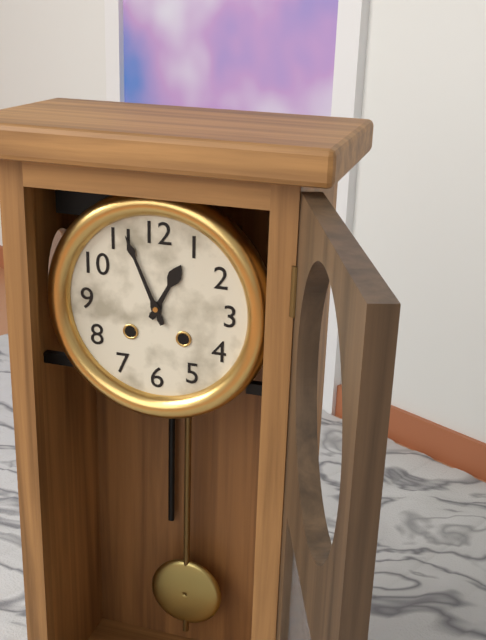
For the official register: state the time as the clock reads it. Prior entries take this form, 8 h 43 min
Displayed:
12 h 56 min
